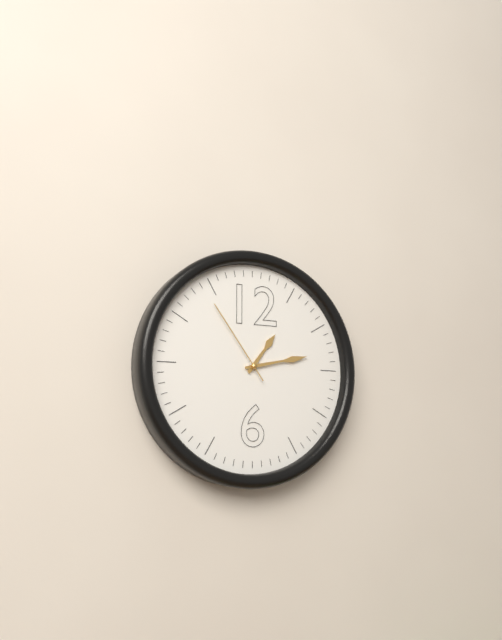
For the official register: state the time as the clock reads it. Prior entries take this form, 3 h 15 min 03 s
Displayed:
1 h 13 min 54 s
